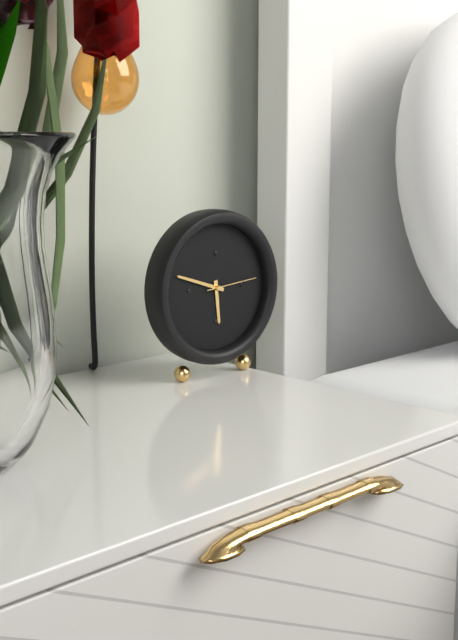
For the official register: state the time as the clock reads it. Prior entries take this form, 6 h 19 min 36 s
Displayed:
5 h 48 min 14 s
